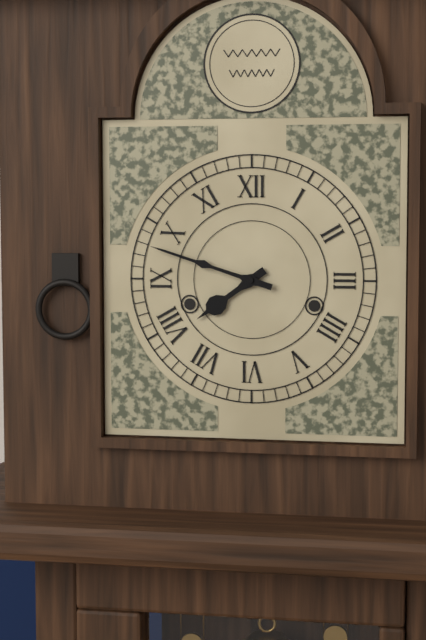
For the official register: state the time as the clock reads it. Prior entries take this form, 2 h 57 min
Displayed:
7 h 48 min
